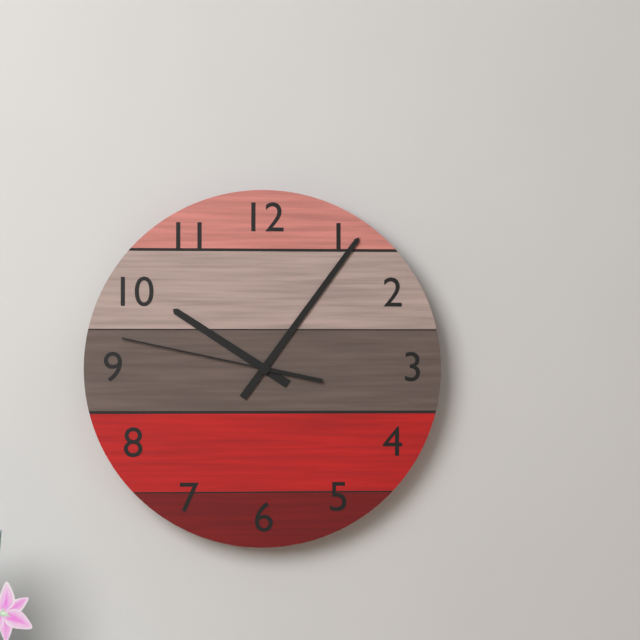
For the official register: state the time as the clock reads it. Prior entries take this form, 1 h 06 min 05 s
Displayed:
10 h 06 min 47 s
